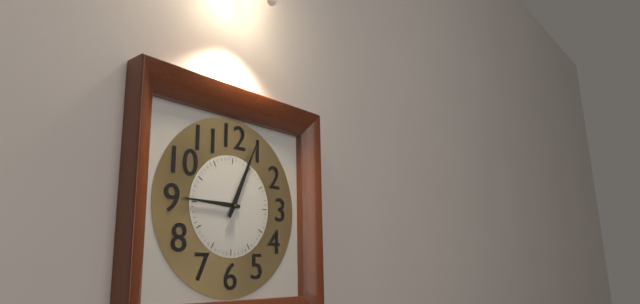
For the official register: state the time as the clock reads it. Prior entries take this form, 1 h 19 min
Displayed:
9 h 04 min
